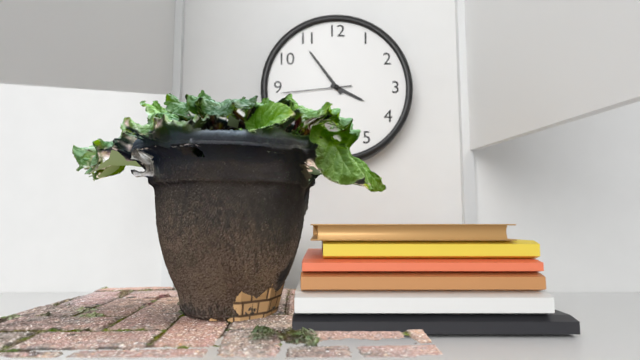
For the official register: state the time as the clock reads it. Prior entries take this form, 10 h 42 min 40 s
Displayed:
3 h 54 min 44 s
